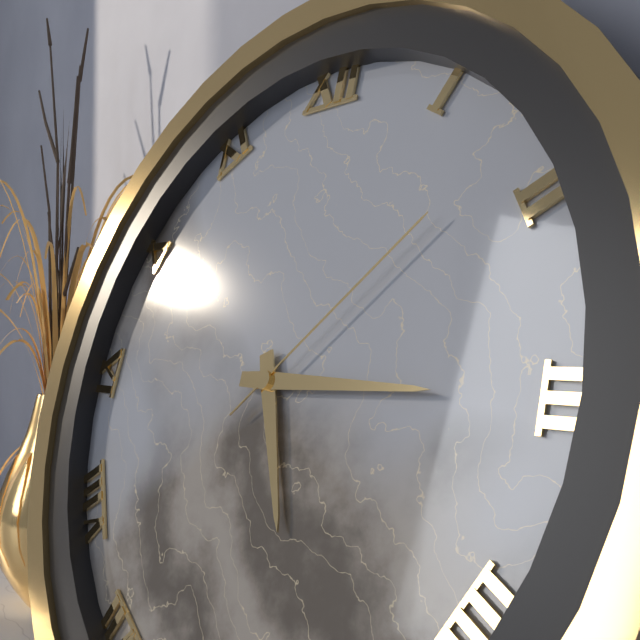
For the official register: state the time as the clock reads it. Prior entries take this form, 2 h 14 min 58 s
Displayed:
5 h 15 min 08 s
